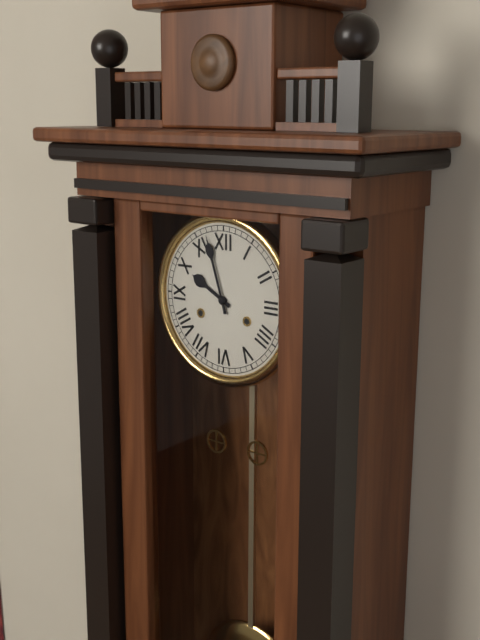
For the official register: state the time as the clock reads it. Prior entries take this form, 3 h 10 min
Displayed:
9 h 57 min
